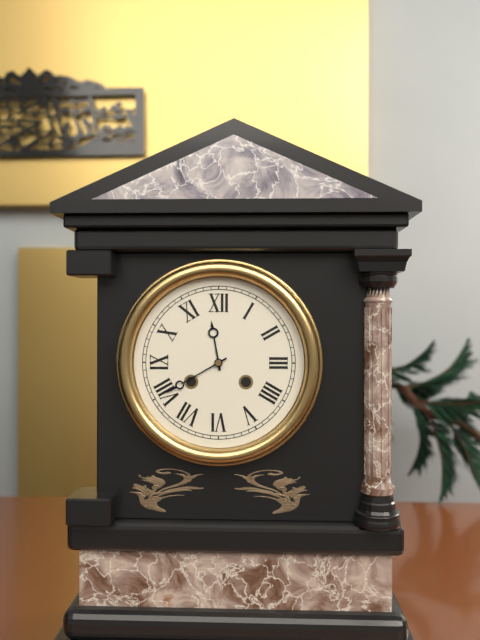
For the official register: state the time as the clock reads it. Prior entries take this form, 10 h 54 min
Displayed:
11 h 40 min
